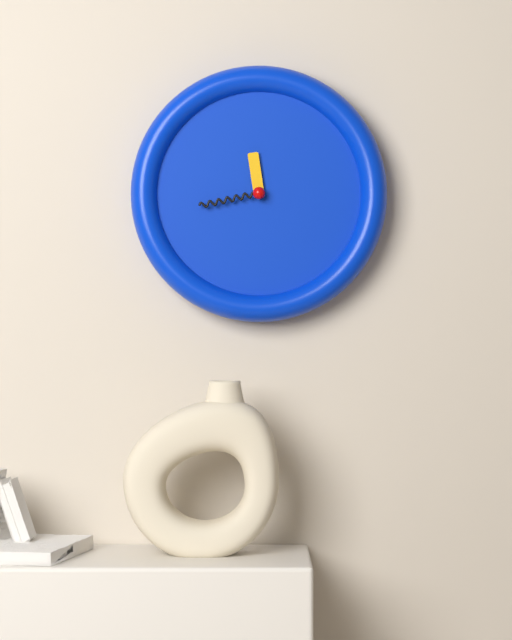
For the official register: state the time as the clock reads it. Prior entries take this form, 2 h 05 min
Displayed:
11 h 43 min
